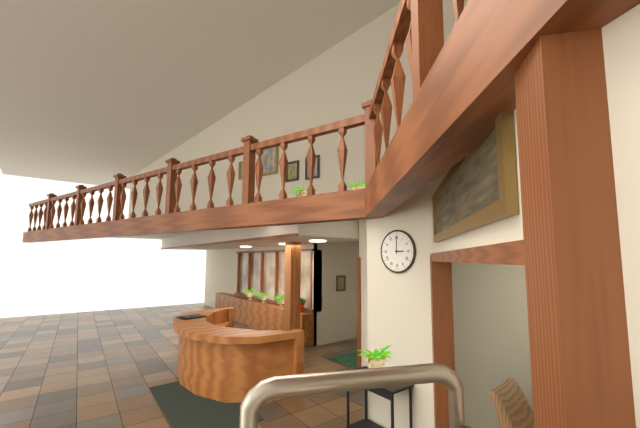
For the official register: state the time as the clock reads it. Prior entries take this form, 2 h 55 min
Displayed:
3 h 00 min
